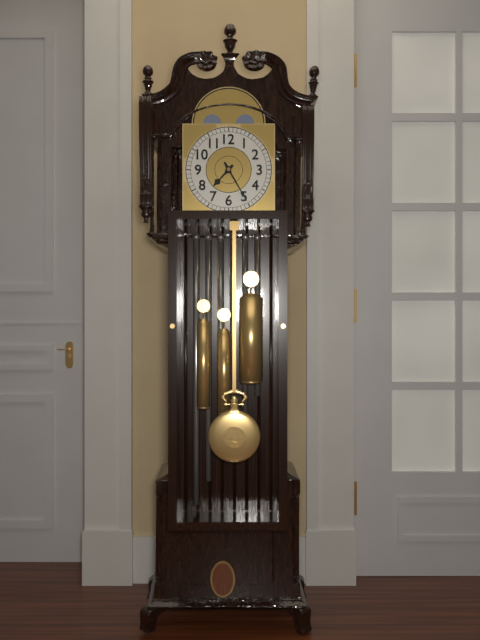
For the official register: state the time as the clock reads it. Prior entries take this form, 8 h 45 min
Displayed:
7 h 25 min
